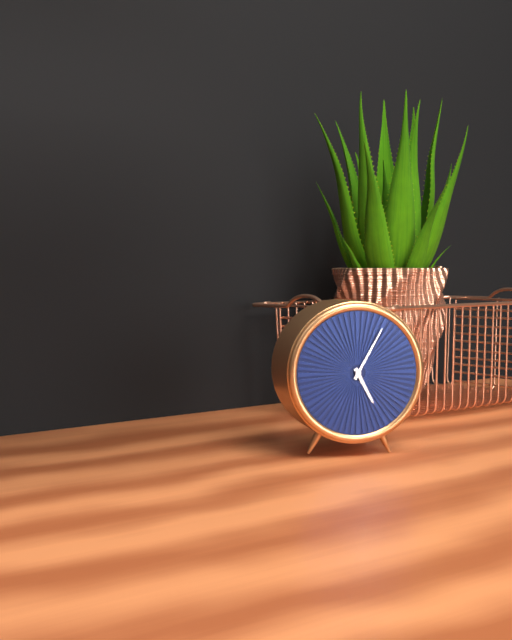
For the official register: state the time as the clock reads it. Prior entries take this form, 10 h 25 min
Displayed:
5 h 05 min
